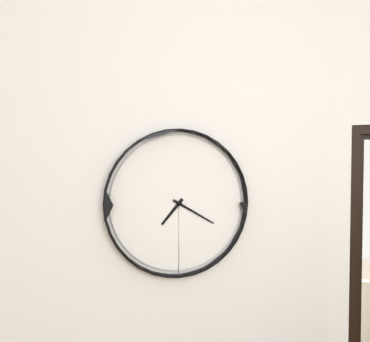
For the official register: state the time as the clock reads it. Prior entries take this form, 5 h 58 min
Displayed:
7 h 20 min
